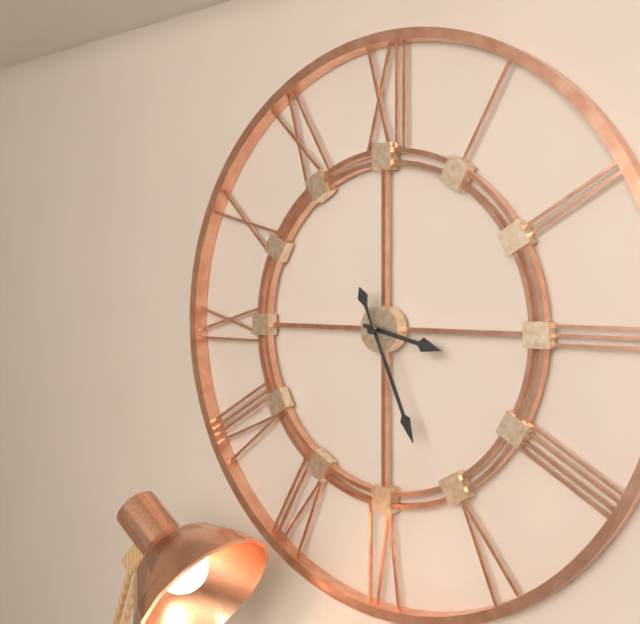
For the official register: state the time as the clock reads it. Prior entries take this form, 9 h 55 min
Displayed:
3 h 26 min
